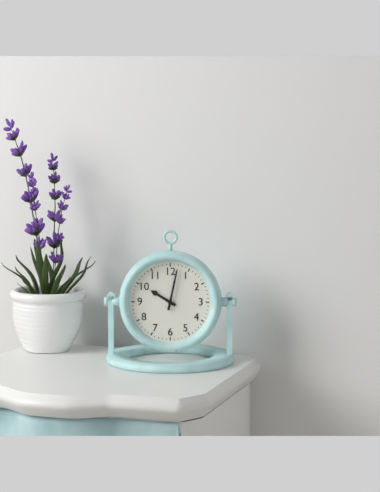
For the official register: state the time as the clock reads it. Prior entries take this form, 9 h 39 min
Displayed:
10 h 02 min
